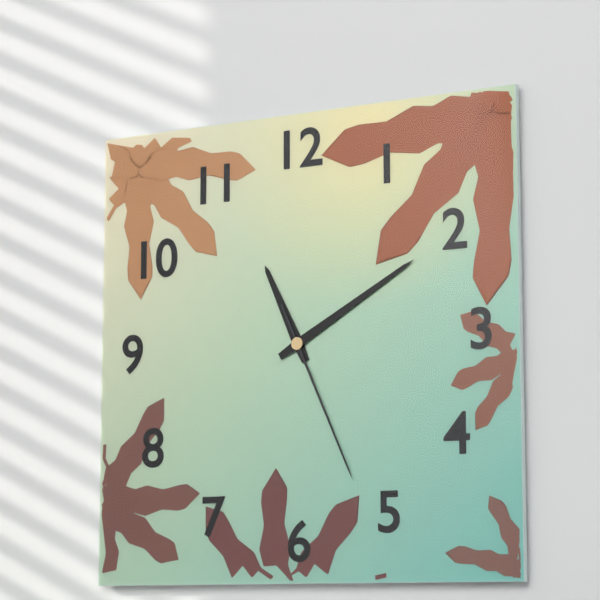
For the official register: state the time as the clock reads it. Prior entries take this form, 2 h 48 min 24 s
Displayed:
11 h 10 min 26 s
